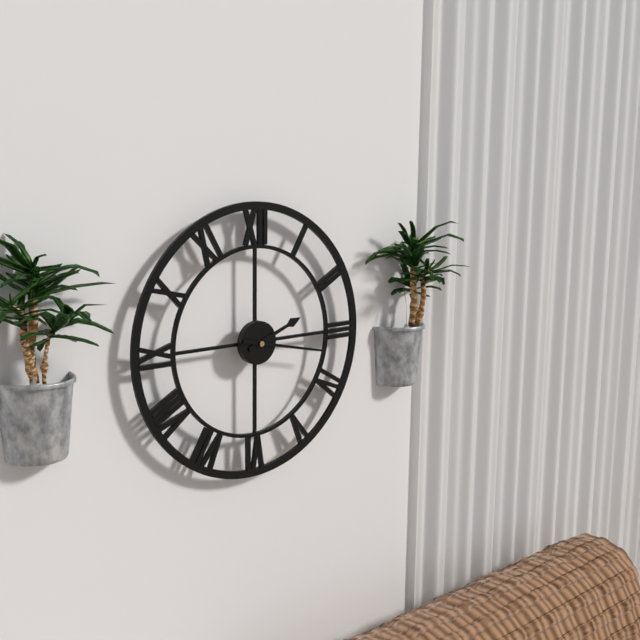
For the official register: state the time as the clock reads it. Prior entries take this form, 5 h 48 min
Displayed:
2 h 17 min
